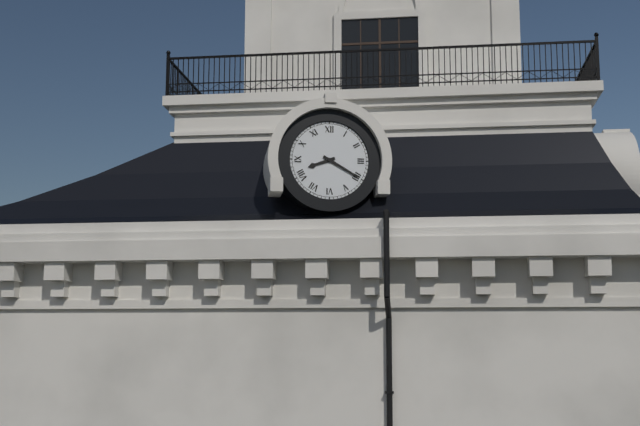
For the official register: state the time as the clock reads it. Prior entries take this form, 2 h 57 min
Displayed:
8 h 20 min
